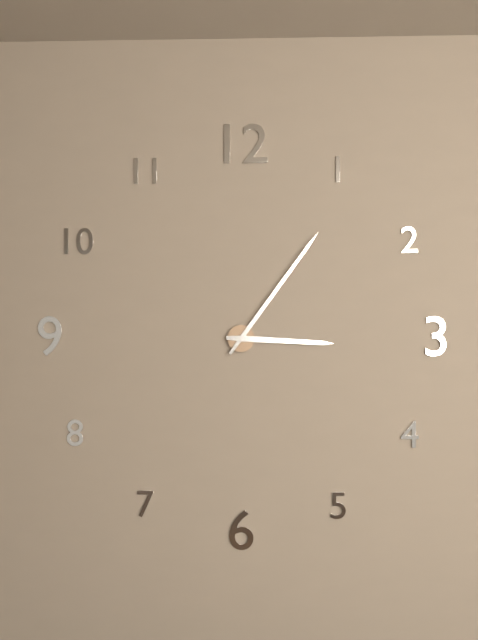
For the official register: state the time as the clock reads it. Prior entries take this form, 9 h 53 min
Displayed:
3 h 06 min
